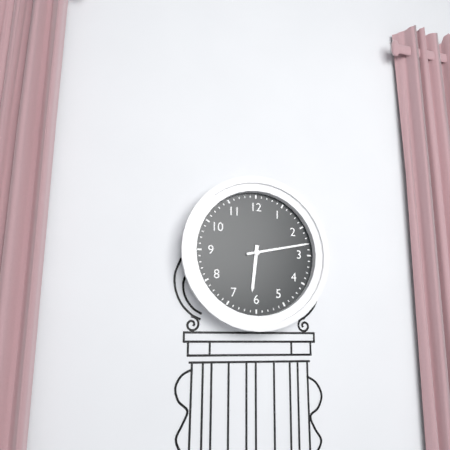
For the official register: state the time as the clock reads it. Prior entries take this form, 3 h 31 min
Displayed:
6 h 13 min
